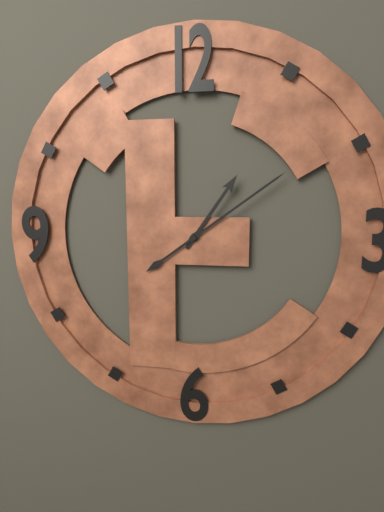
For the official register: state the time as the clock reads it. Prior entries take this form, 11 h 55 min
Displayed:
1 h 09 min
